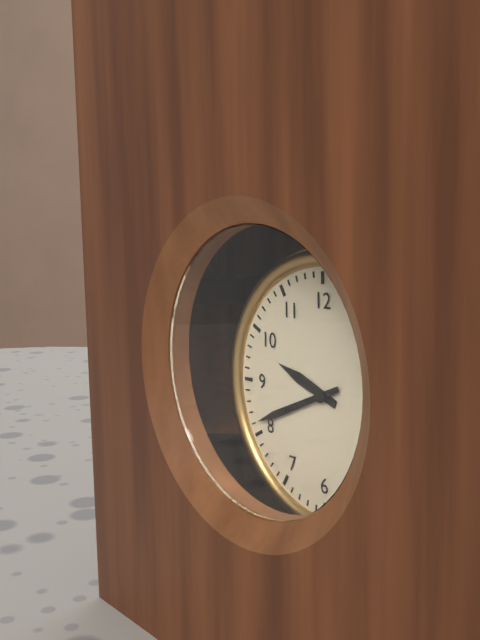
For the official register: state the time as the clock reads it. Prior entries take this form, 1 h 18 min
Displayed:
9 h 41 min
